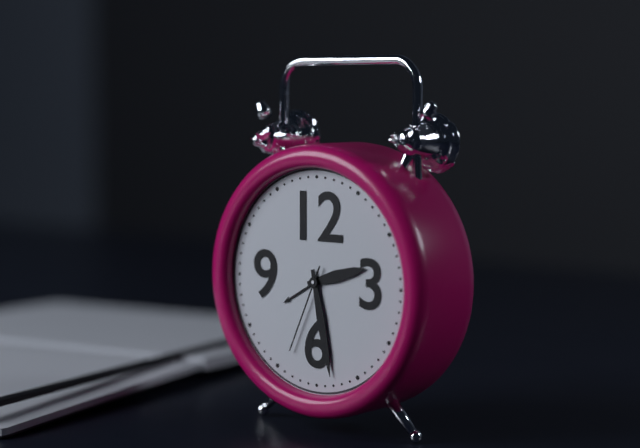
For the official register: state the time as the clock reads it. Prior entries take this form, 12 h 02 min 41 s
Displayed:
2 h 28 min 34 s
